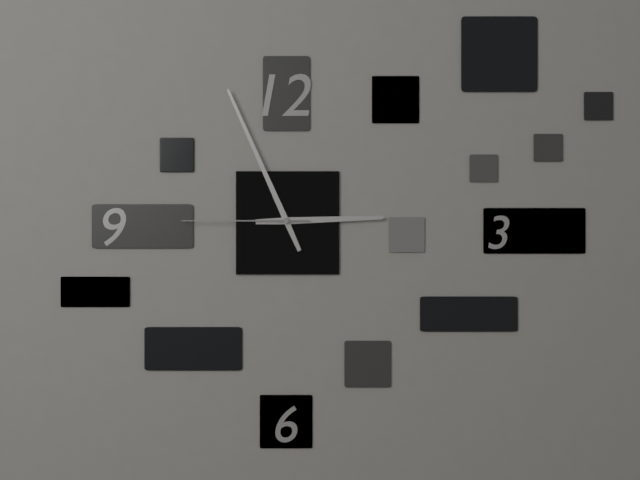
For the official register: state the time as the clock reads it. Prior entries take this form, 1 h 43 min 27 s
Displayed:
2 h 56 min 45 s
